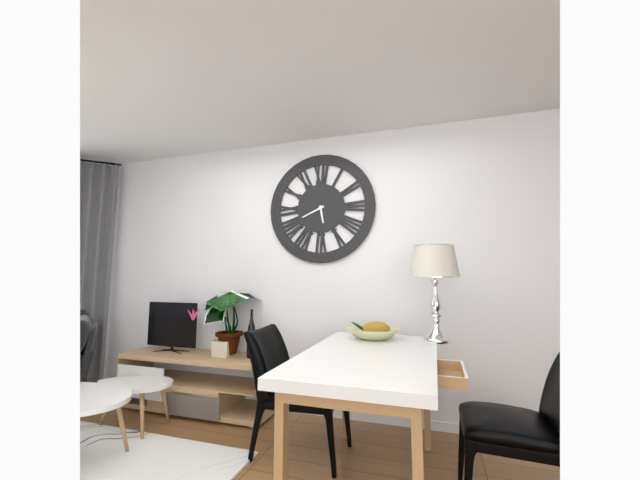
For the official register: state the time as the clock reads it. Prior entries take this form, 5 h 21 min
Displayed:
5 h 41 min
